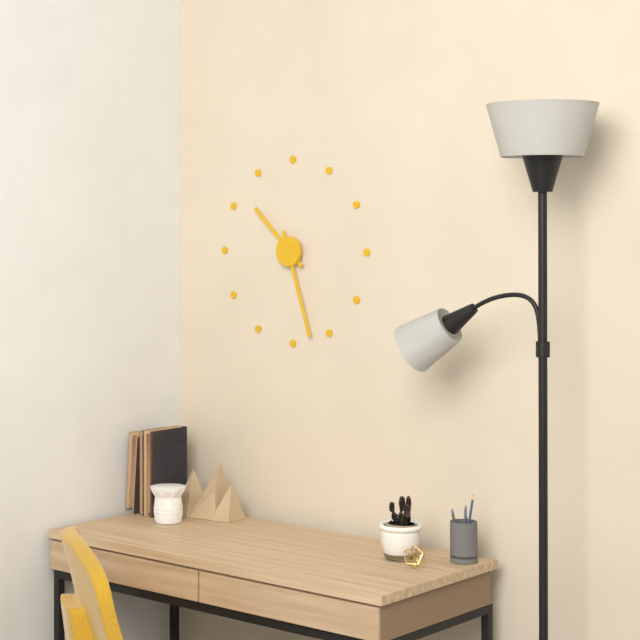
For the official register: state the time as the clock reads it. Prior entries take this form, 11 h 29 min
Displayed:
10 h 27 min
